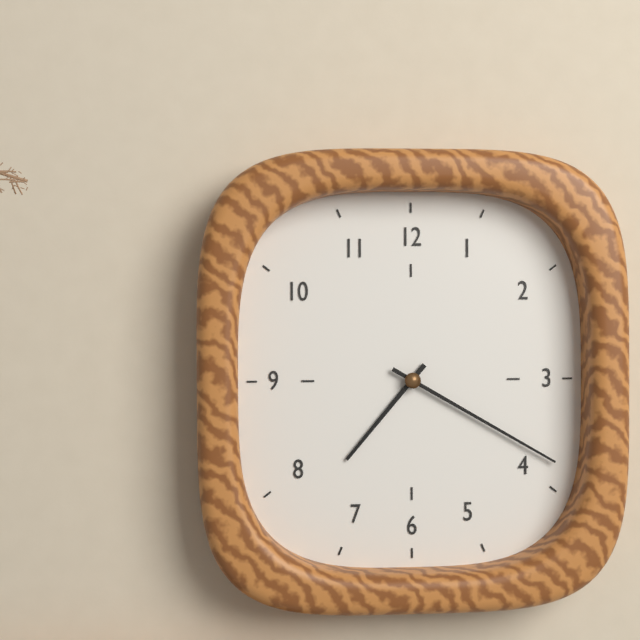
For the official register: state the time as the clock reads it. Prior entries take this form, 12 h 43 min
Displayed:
7 h 20 min
